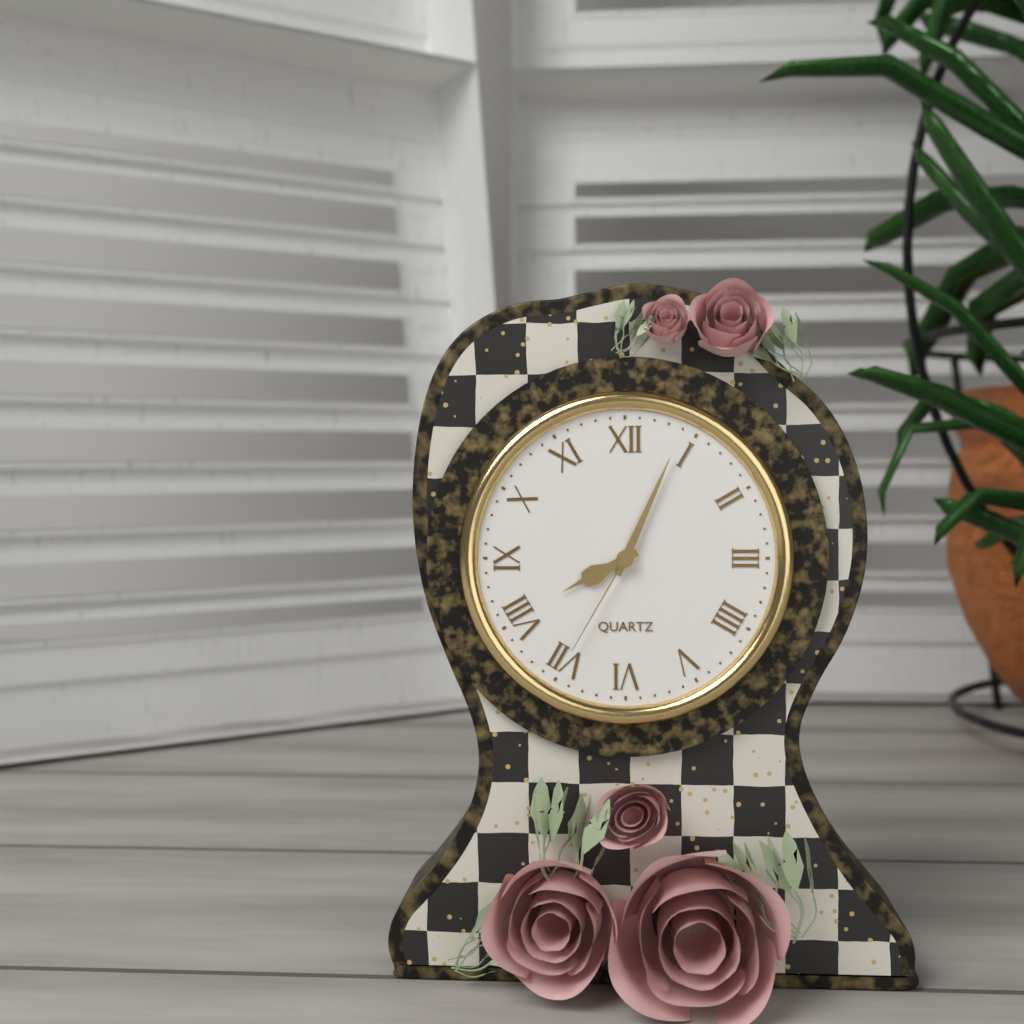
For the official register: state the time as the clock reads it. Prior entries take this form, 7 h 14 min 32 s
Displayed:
8 h 04 min 35 s
